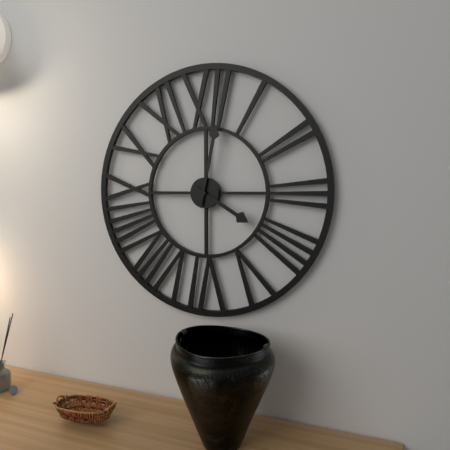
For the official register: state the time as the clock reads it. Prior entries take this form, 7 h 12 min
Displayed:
4 h 02 min
